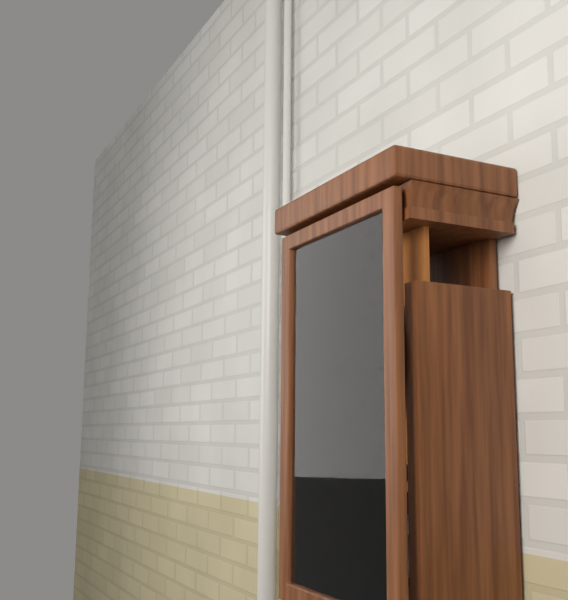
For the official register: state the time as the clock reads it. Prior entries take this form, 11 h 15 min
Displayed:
11 h 20 min
